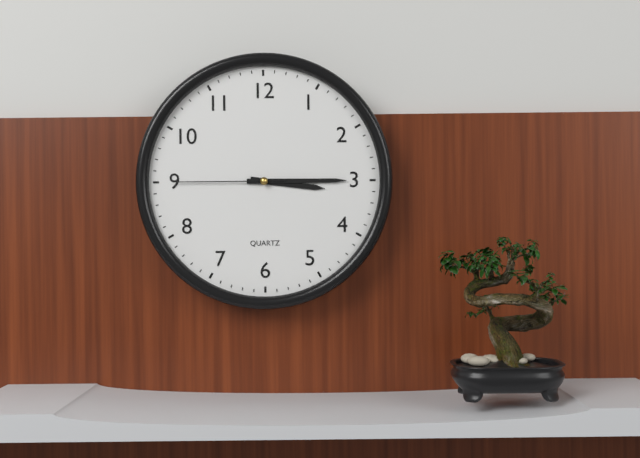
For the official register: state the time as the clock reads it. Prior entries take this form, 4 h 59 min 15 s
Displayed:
3 h 15 min 45 s
